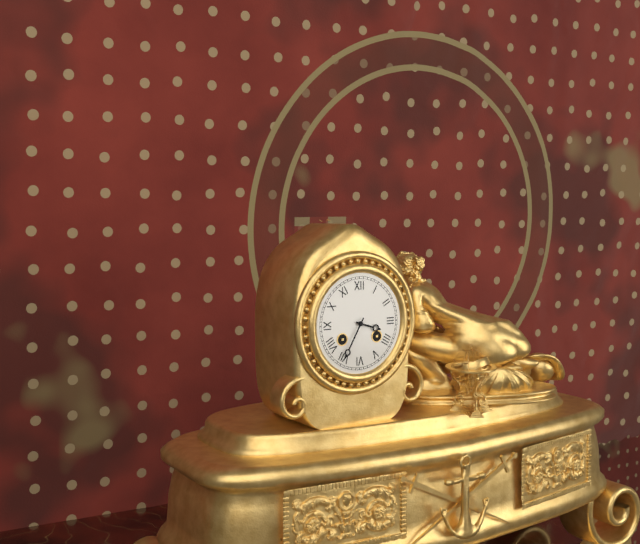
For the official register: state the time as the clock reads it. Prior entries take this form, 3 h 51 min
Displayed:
3 h 35 min
